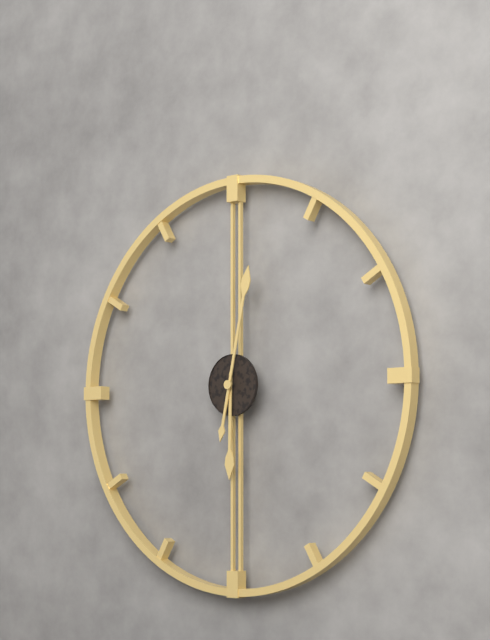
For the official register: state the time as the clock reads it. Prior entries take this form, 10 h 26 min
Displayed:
6 h 02 min
